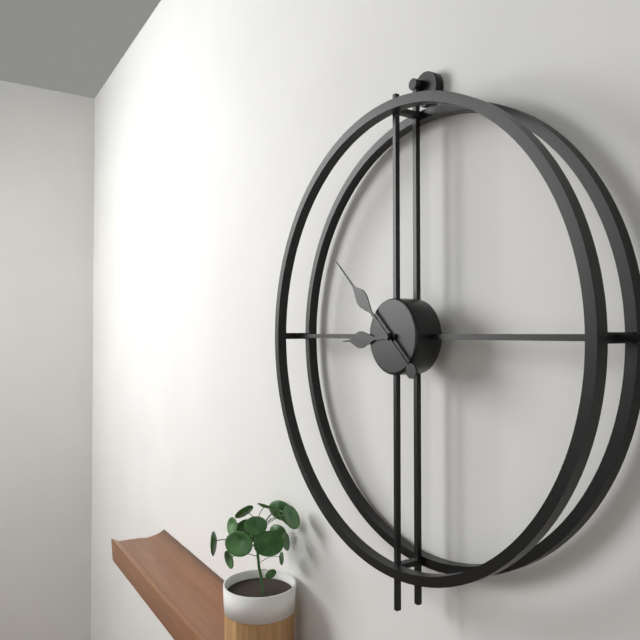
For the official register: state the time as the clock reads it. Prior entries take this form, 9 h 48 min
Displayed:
8 h 52 min
